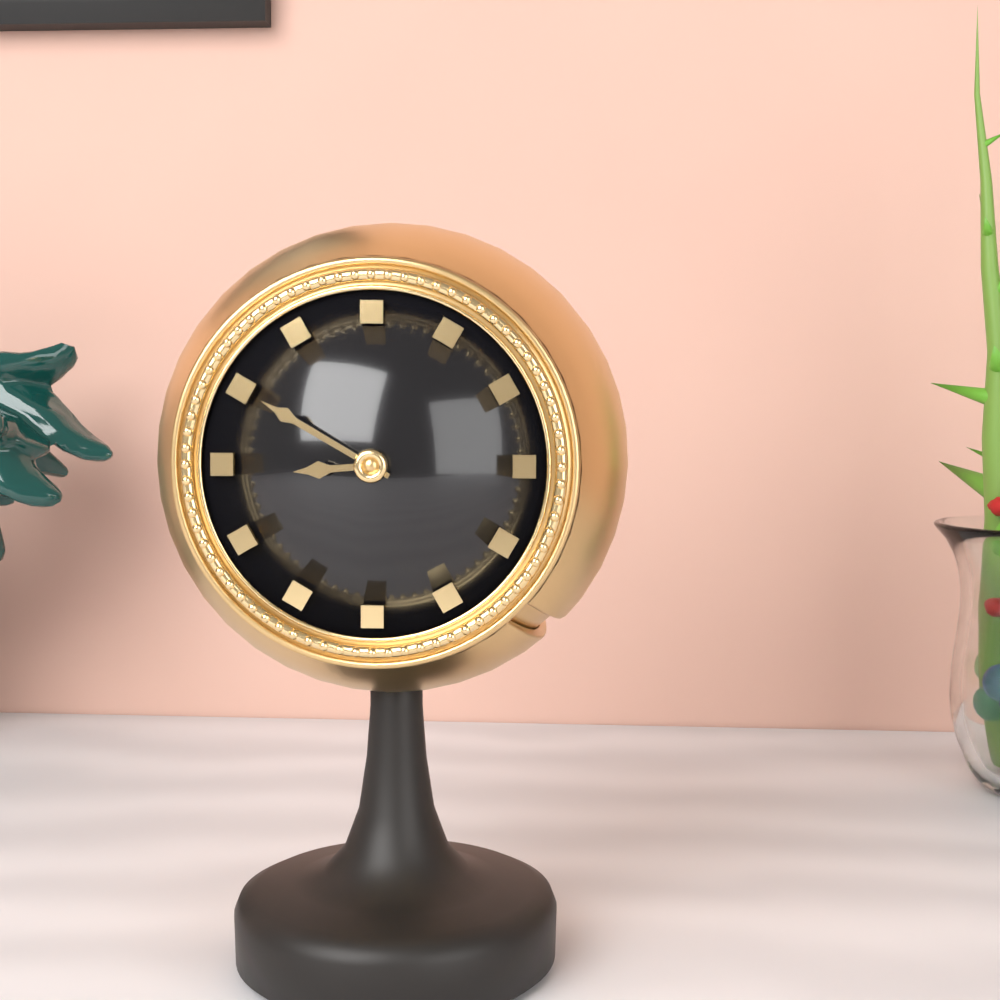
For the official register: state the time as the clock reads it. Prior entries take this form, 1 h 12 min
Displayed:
8 h 50 min
